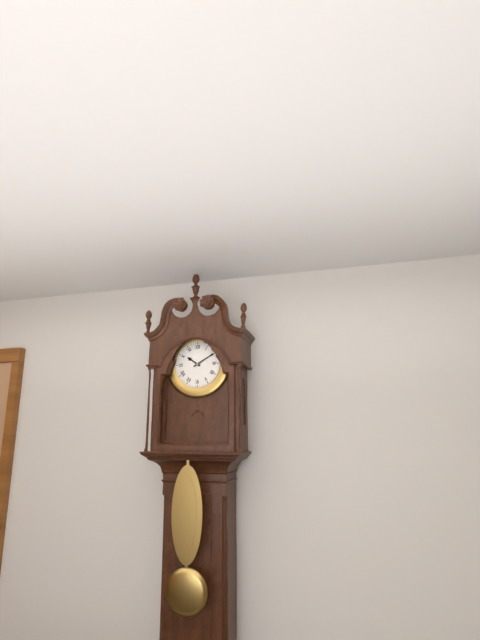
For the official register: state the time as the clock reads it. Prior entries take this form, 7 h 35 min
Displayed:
10 h 10 min
